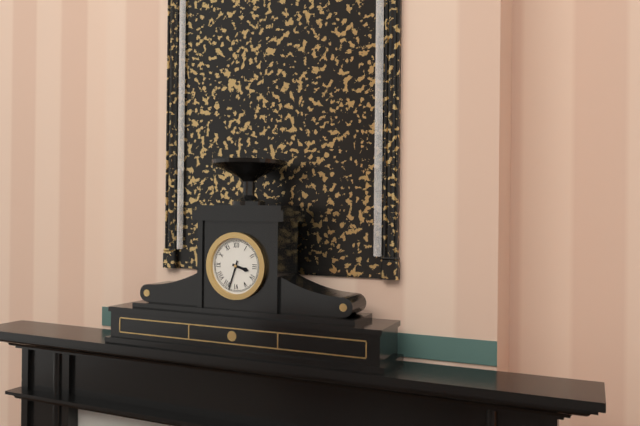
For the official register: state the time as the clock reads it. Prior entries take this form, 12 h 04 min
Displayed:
3 h 33 min
